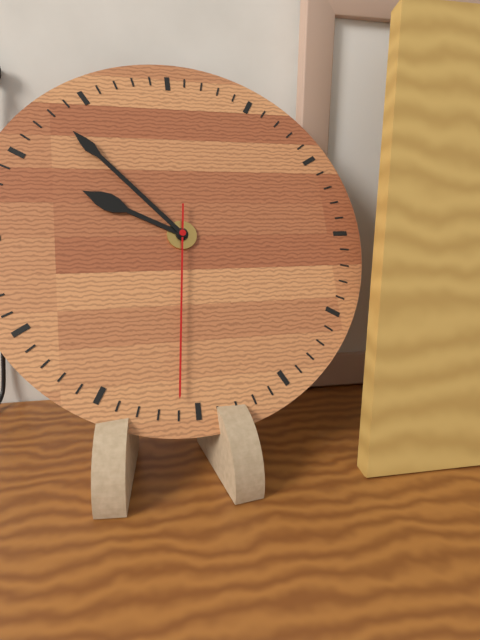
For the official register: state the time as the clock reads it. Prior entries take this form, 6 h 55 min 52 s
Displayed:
9 h 53 min 31 s
